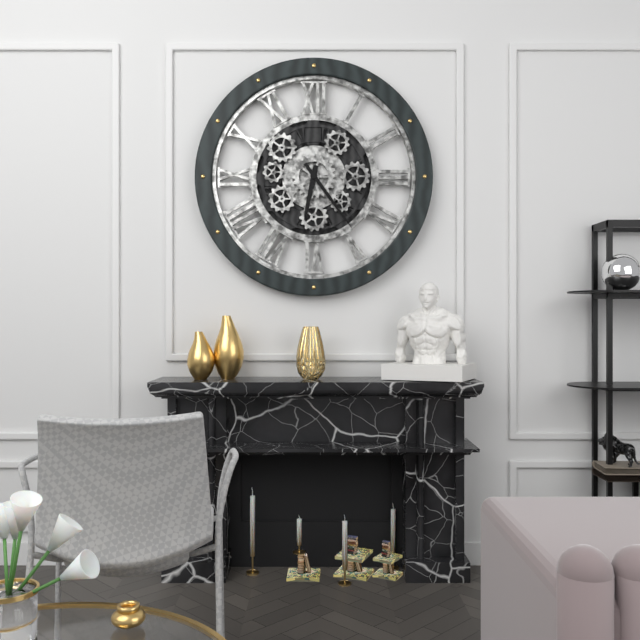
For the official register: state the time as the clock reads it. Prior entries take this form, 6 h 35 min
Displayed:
6 h 24 min
